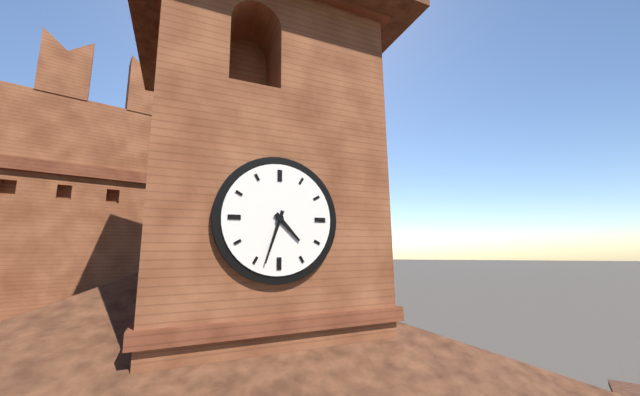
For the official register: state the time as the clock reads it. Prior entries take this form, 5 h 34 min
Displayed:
4 h 33 min
